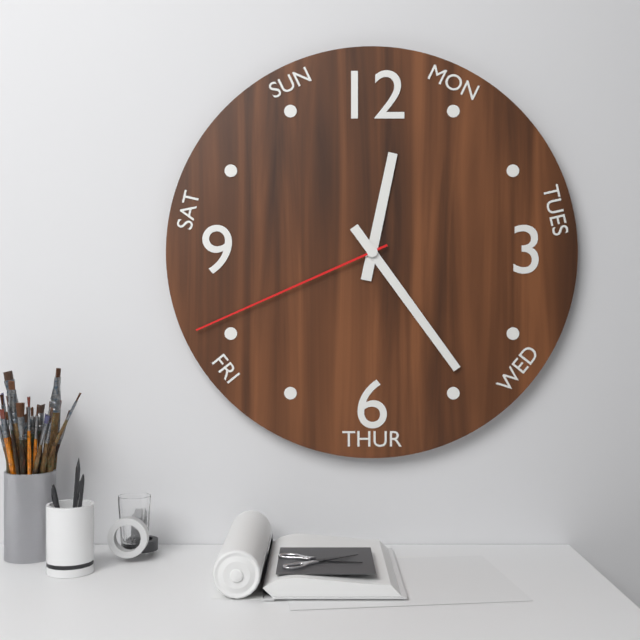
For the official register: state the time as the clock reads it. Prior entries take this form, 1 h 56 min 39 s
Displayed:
12 h 24 min 41 s
